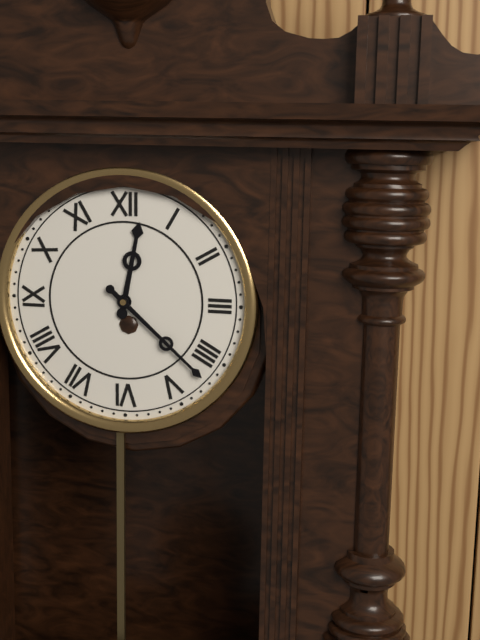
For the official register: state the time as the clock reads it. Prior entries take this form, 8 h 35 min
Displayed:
12 h 22 min
